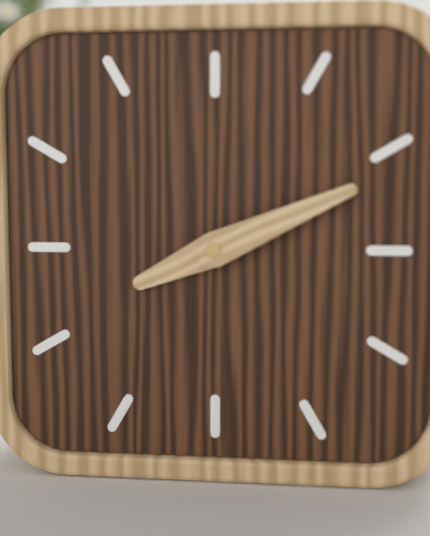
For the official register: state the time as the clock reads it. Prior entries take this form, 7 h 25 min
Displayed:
8 h 11 min
